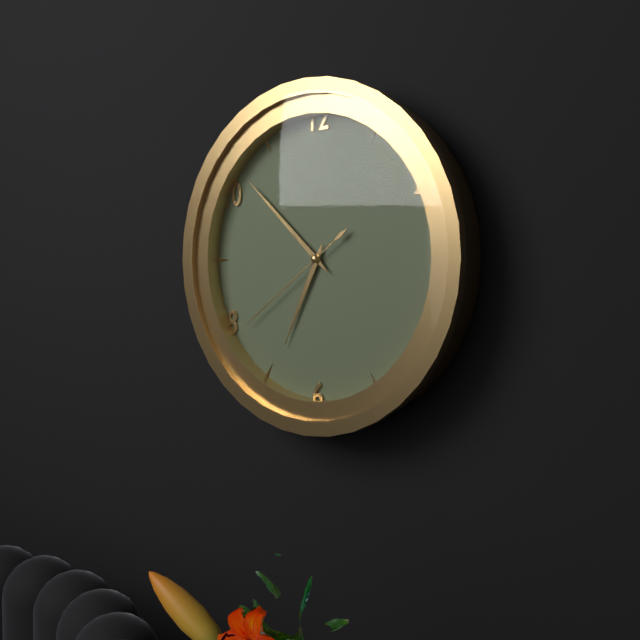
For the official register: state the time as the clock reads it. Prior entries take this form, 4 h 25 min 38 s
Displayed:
6 h 52 min 39 s
